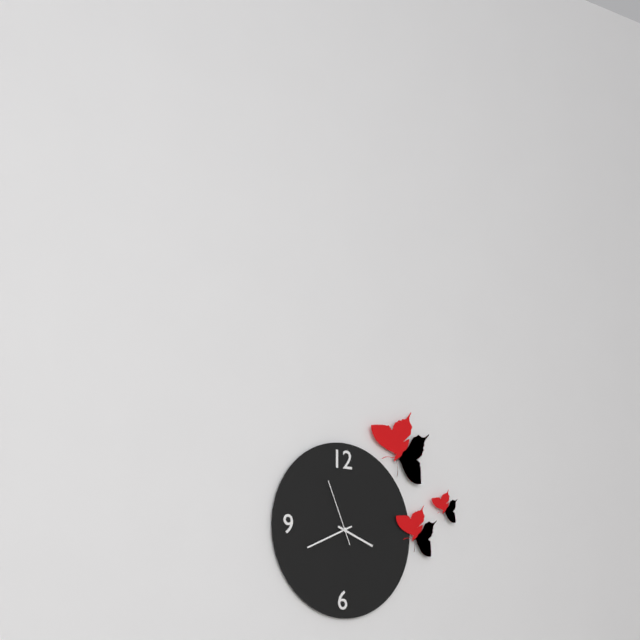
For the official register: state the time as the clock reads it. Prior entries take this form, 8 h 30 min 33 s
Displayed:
3 h 41 min 56 s
